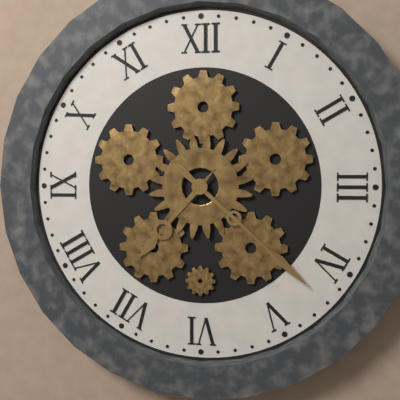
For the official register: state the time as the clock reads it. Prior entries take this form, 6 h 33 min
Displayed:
7 h 22 min
